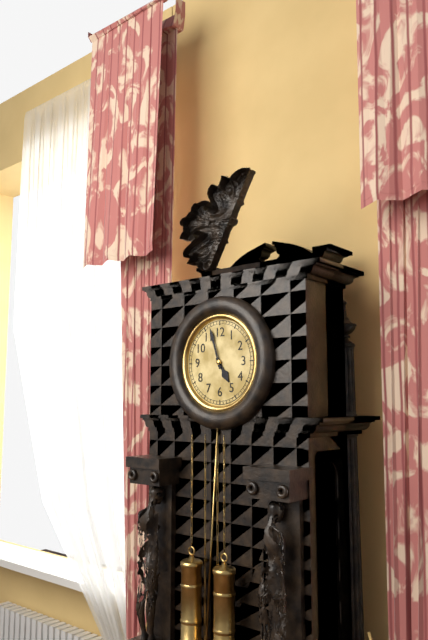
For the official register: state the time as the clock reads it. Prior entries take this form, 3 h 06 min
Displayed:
4 h 57 min
